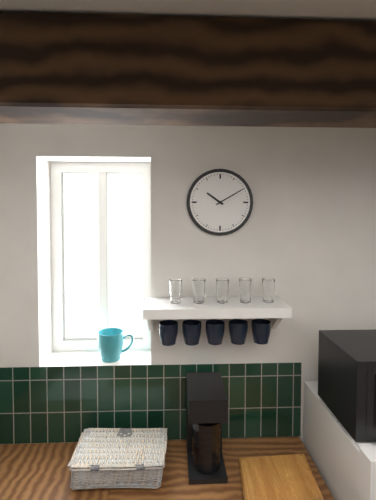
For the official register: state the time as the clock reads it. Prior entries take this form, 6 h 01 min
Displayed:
10 h 10 min
